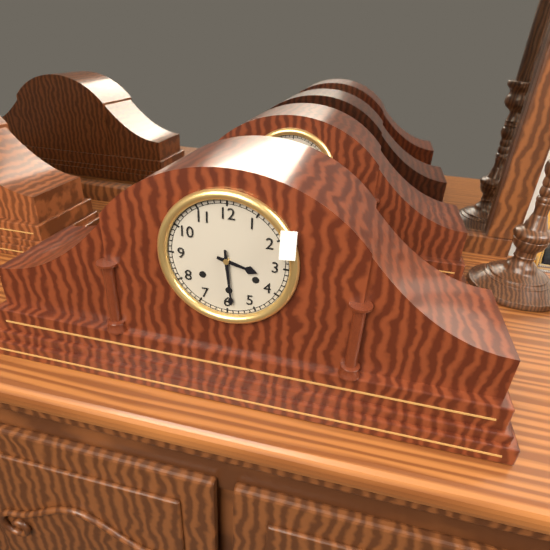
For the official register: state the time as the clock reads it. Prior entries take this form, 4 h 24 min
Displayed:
3 h 29 min
